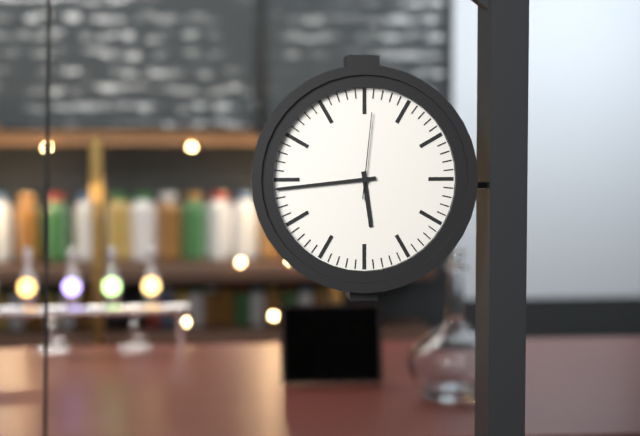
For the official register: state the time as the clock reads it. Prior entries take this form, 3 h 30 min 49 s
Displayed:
5 h 44 min 01 s
